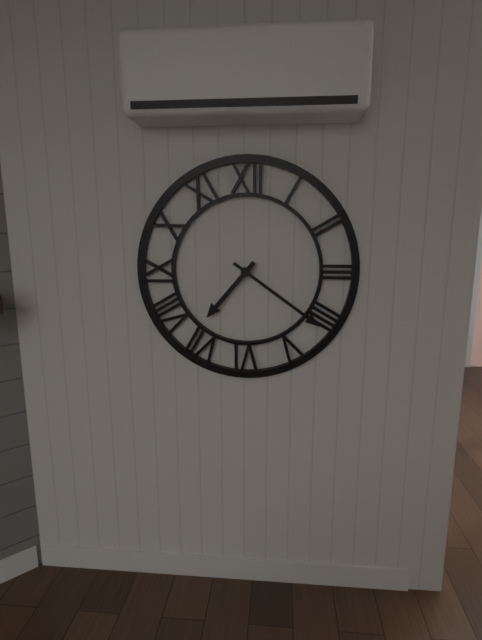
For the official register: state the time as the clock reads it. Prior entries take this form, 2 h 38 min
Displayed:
7 h 21 min
